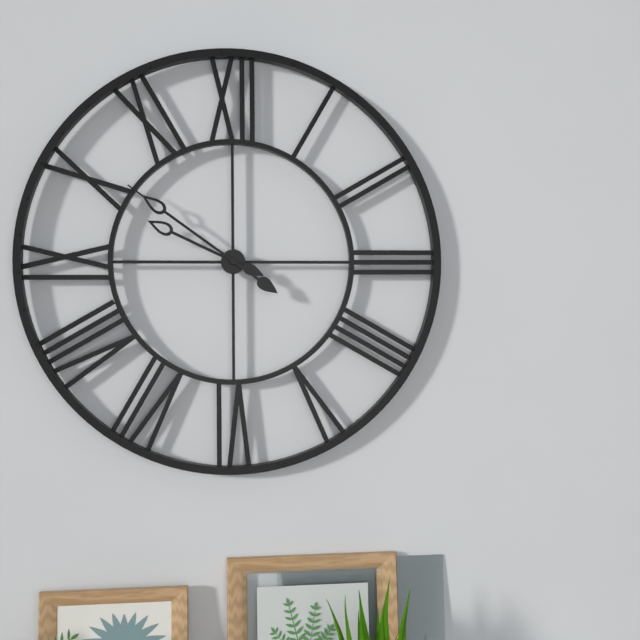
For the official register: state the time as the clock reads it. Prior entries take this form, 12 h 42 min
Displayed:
9 h 51 min
